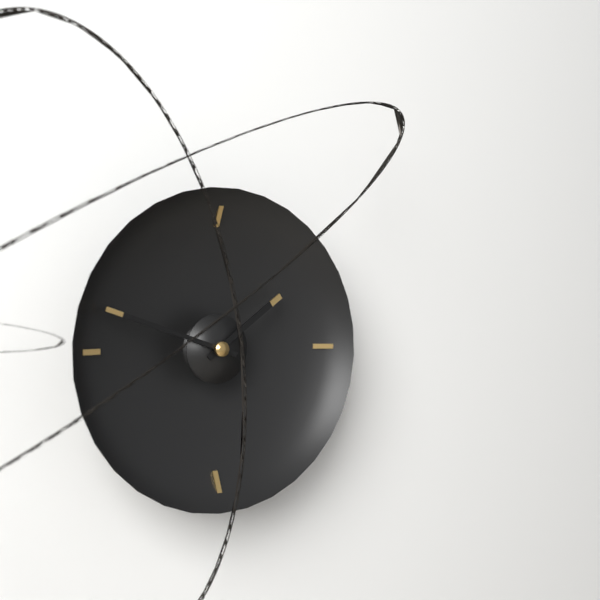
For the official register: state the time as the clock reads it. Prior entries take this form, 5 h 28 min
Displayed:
1 h 48 min
